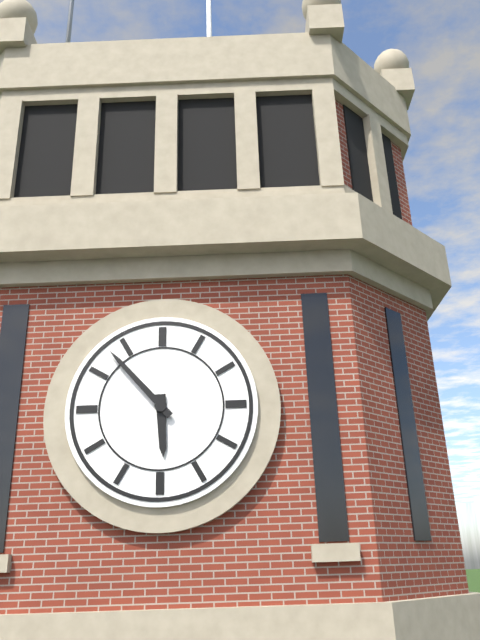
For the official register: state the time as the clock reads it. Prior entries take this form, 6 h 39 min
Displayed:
5 h 53 min
